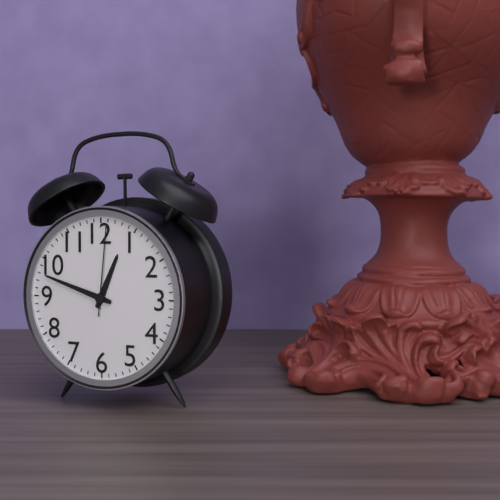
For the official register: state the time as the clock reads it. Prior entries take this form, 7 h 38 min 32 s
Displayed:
12 h 48 min 01 s
